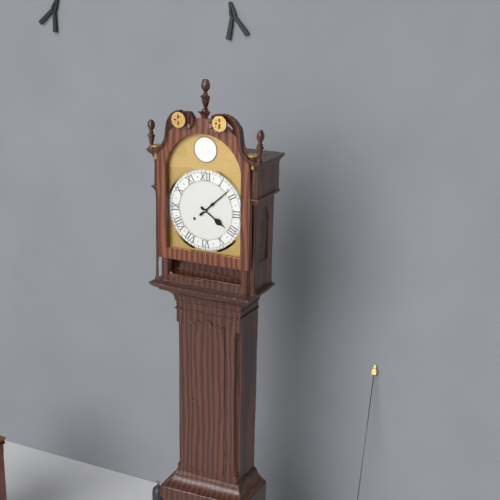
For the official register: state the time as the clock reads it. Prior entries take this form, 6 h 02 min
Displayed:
4 h 08 min
